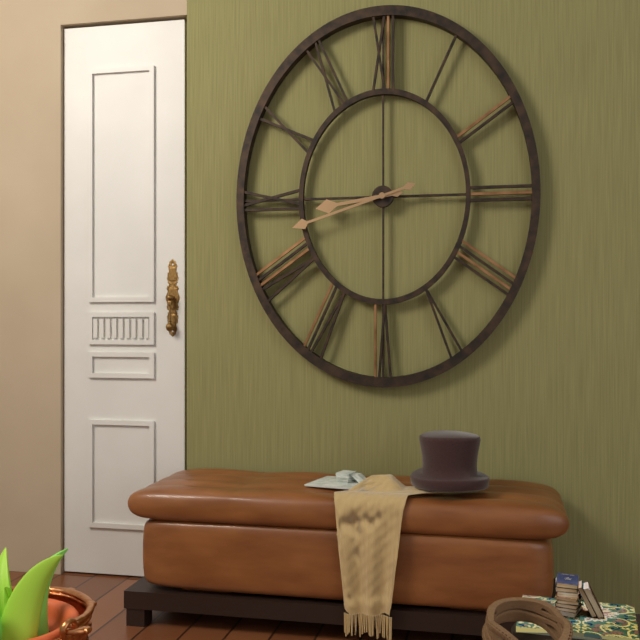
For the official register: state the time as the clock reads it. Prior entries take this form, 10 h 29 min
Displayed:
8 h 42 min
